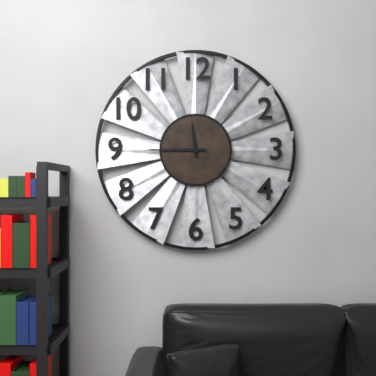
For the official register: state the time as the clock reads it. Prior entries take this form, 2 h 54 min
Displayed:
11 h 45 min
